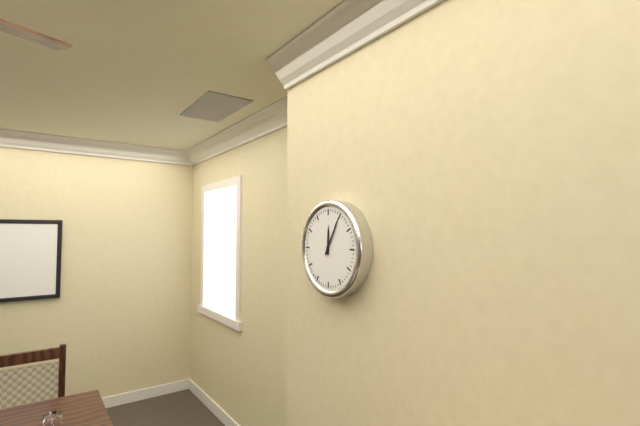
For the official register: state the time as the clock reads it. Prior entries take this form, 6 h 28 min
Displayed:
12 h 05 min
